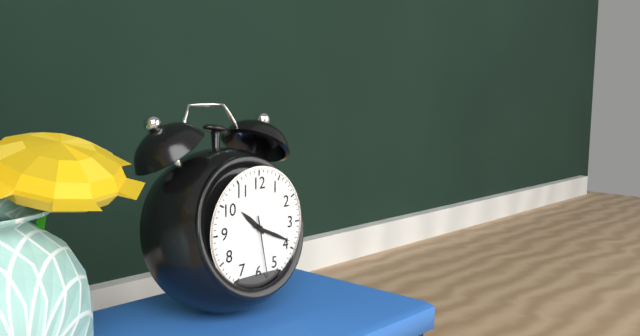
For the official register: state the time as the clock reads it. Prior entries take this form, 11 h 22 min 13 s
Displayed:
10 h 19 min 28 s
